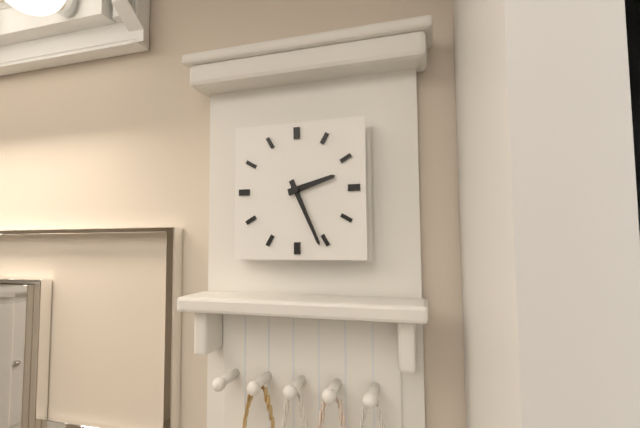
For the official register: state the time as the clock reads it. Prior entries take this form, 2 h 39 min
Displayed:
2 h 26 min
